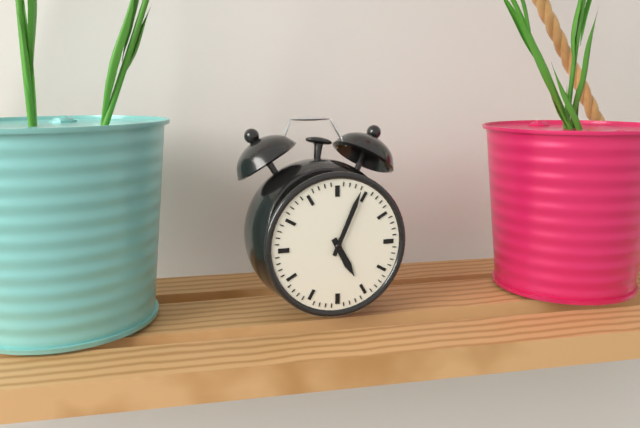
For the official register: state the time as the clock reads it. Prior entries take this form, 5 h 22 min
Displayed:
5 h 04 min
